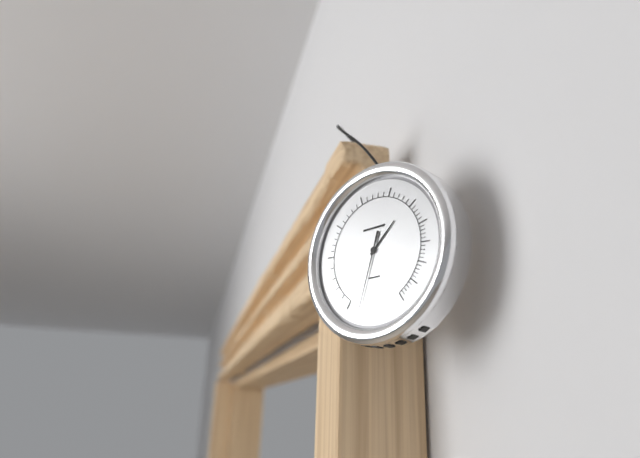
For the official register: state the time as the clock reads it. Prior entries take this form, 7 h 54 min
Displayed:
1 h 33 min
